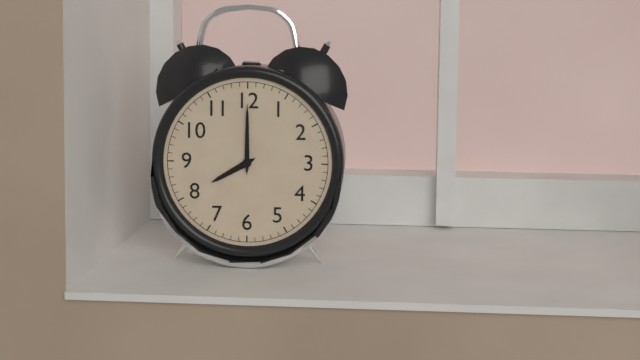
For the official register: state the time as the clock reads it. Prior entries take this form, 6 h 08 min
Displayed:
8 h 00 min
